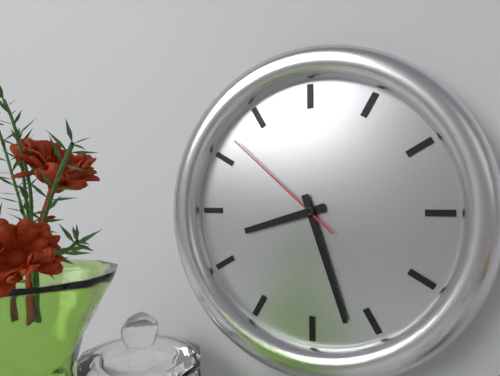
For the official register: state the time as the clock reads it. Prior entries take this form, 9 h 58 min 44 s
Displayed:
8 h 27 min 52 s
